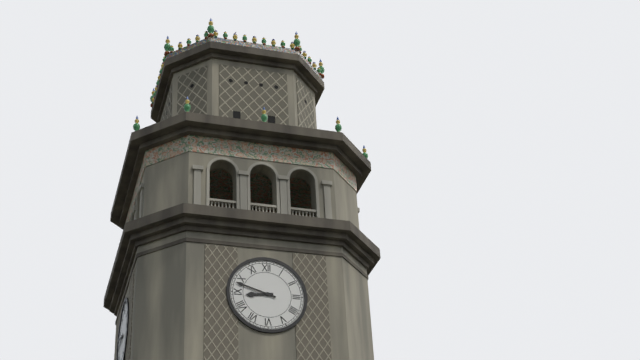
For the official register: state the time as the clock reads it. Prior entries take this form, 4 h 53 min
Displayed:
8 h 48 min
